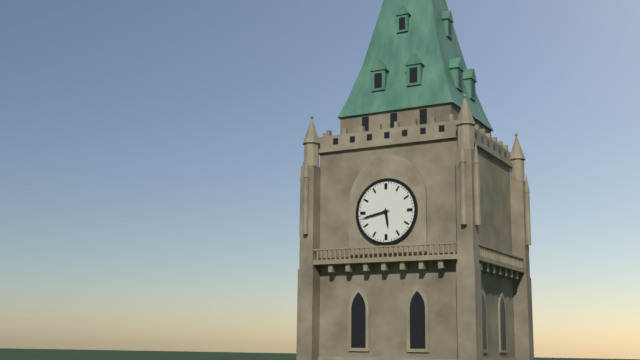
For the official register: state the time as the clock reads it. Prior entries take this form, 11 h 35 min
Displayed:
5 h 43 min
